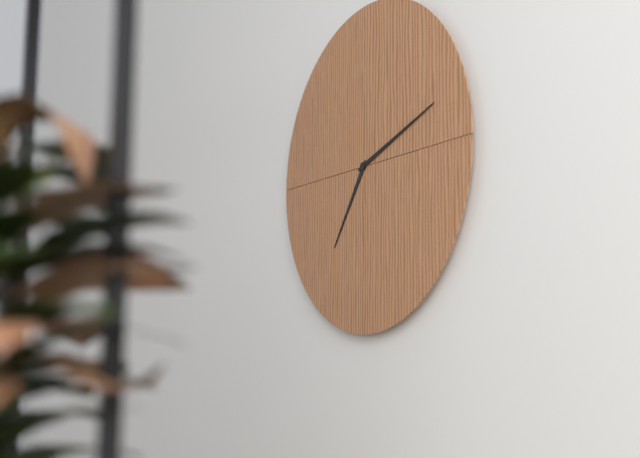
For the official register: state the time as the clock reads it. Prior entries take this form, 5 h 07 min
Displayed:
7 h 12 min
